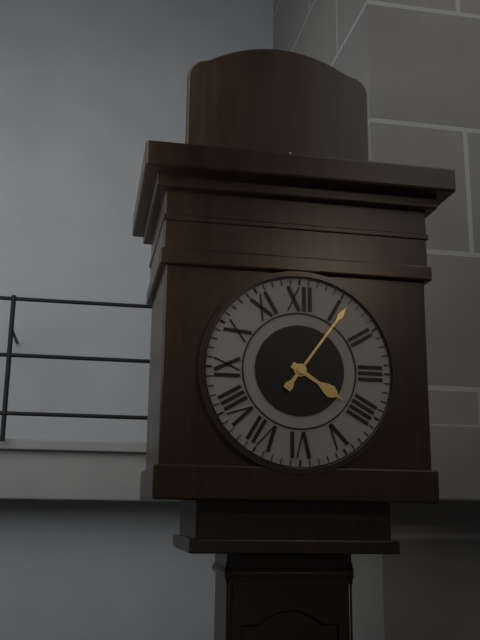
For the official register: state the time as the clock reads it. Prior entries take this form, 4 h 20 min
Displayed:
4 h 06 min
